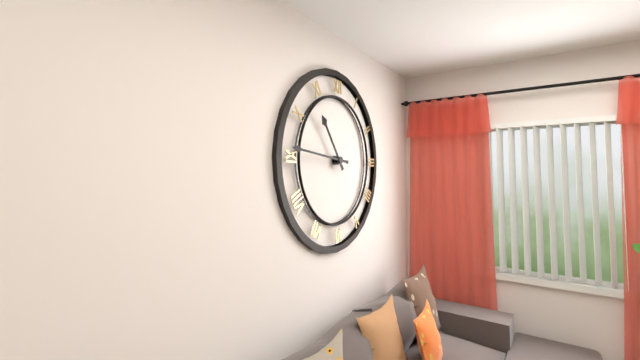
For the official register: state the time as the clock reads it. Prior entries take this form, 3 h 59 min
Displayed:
10 h 46 min
